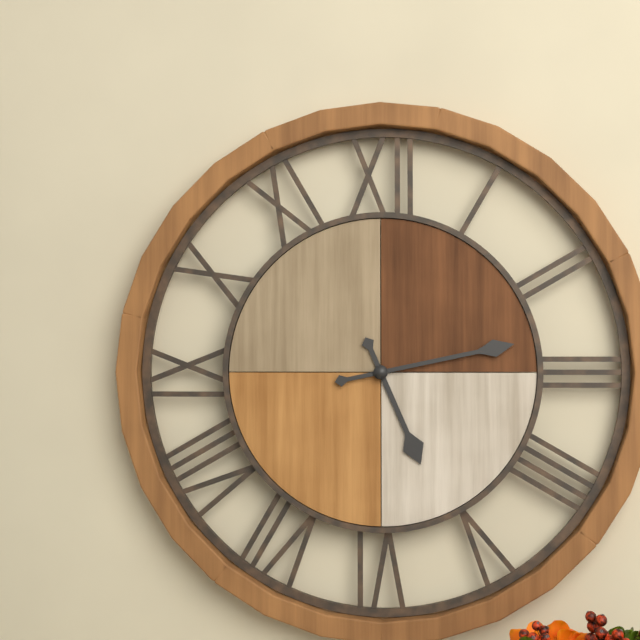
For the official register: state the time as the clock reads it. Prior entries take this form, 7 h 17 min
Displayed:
5 h 13 min
